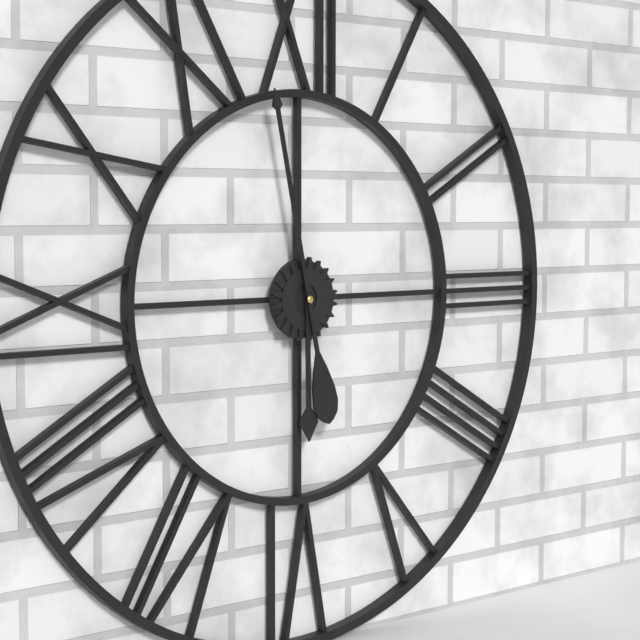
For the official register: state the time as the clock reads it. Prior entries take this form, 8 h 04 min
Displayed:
5 h 58 min
